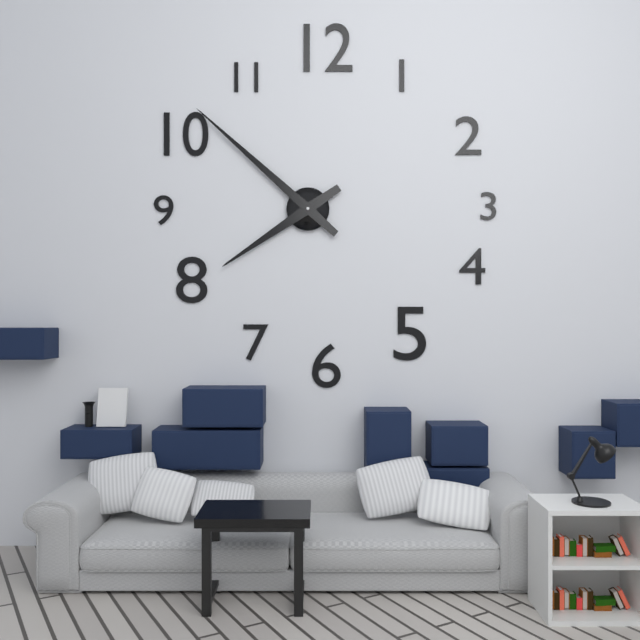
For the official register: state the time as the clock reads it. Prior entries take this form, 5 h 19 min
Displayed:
7 h 52 min
